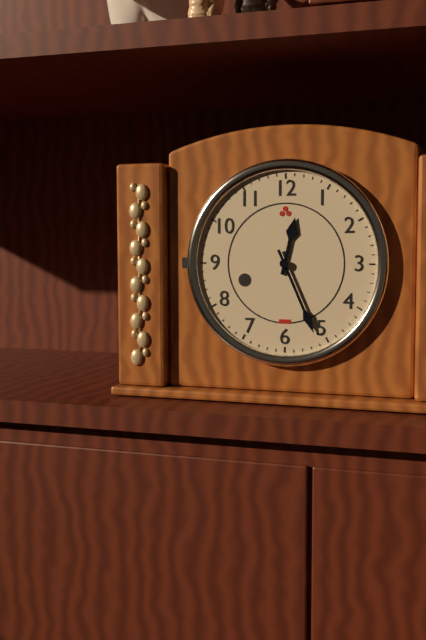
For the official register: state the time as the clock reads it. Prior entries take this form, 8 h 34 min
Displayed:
12 h 26 min
